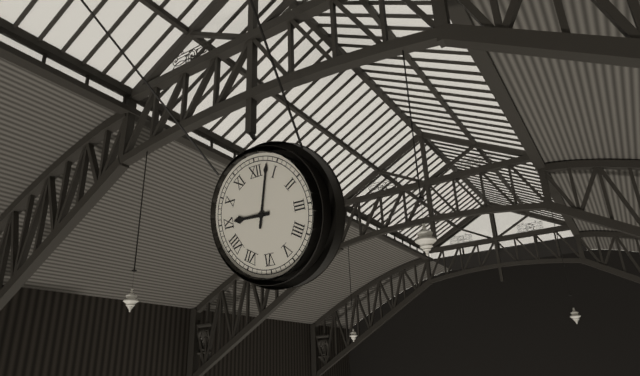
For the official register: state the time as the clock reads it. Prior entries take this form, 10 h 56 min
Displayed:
9 h 03 min
